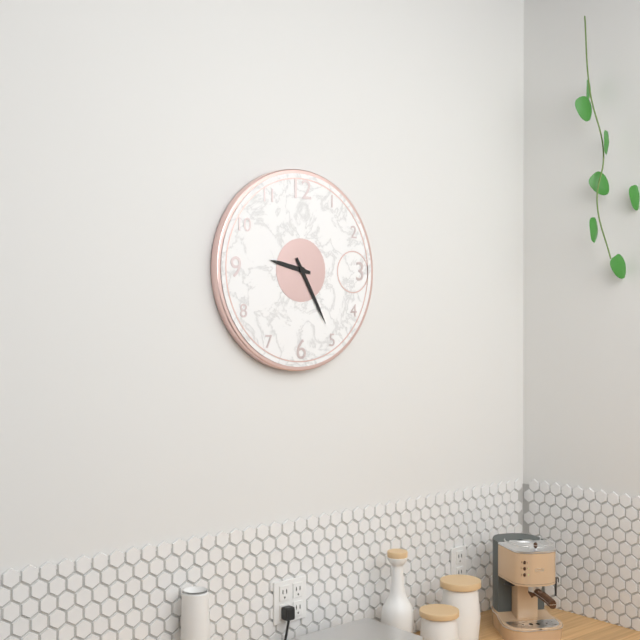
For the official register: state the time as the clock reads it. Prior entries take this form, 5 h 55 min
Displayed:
9 h 25 min
